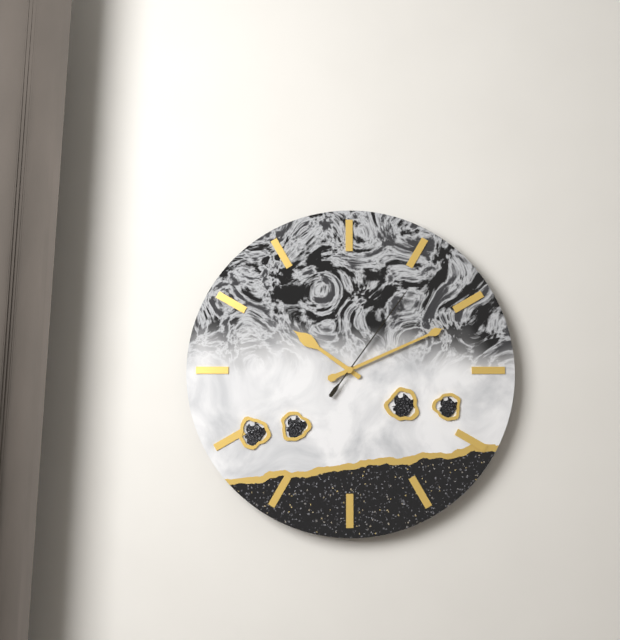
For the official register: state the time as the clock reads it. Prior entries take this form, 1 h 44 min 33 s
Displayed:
10 h 11 min 06 s
